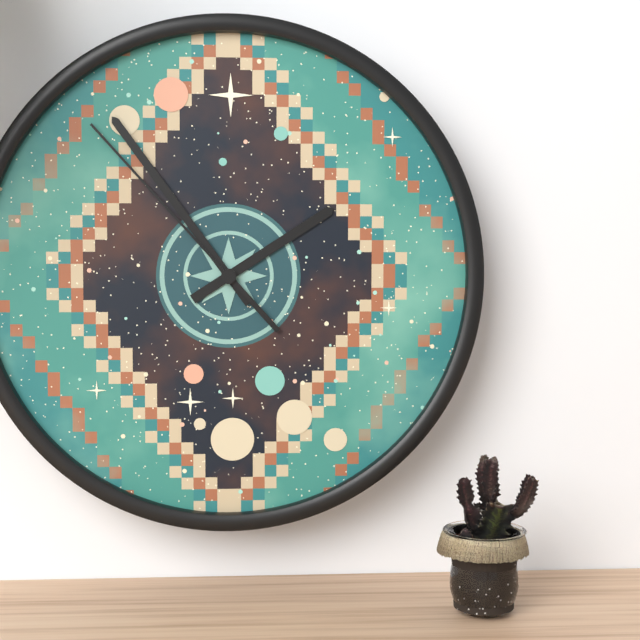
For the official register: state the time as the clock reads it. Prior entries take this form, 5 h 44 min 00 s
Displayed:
1 h 54 min 53 s
